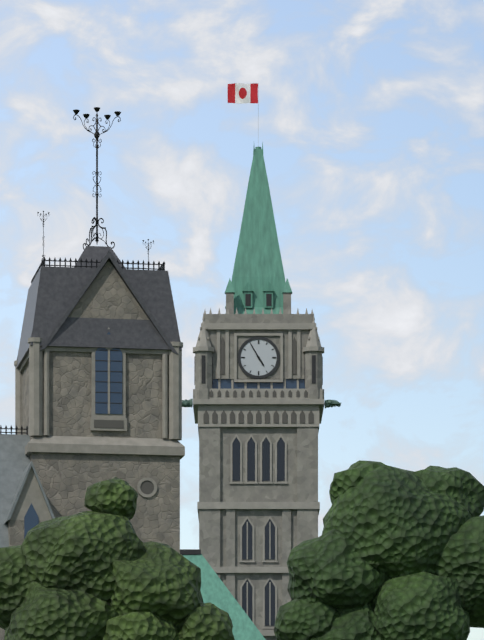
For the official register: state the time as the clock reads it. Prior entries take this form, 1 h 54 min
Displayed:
4 h 55 min
